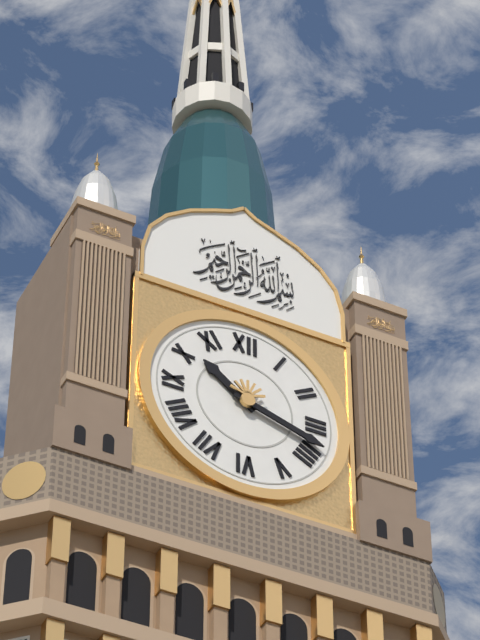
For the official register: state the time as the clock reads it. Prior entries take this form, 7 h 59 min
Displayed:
10 h 18 min
